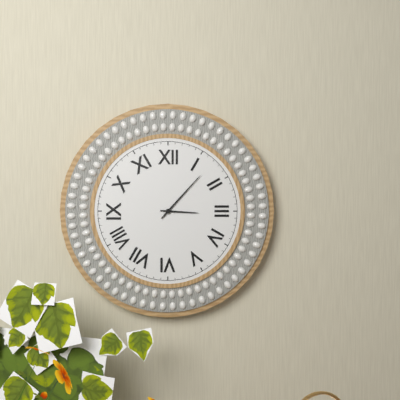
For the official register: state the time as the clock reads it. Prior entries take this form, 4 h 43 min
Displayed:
3 h 07 min
